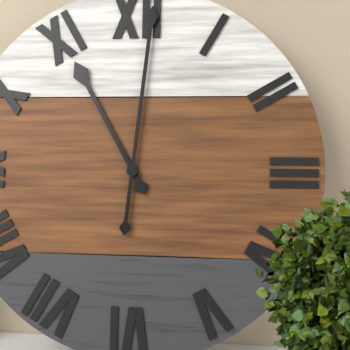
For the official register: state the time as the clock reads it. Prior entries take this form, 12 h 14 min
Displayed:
11 h 01 min
